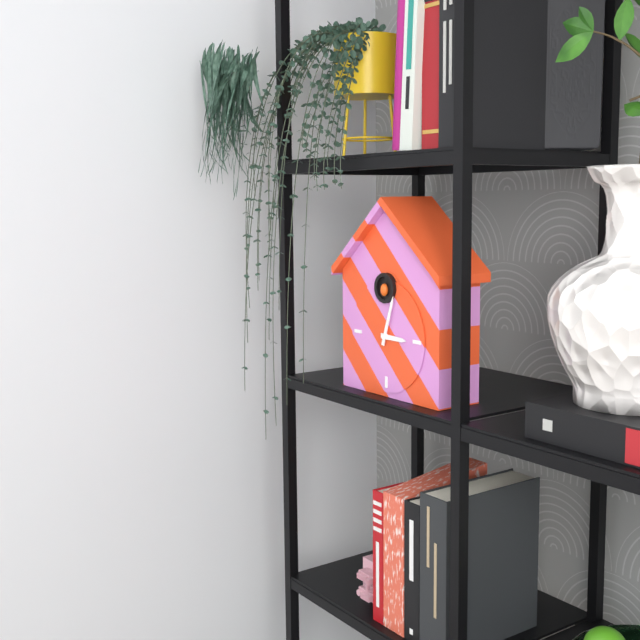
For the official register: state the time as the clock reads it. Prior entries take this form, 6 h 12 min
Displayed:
3 h 03 min
